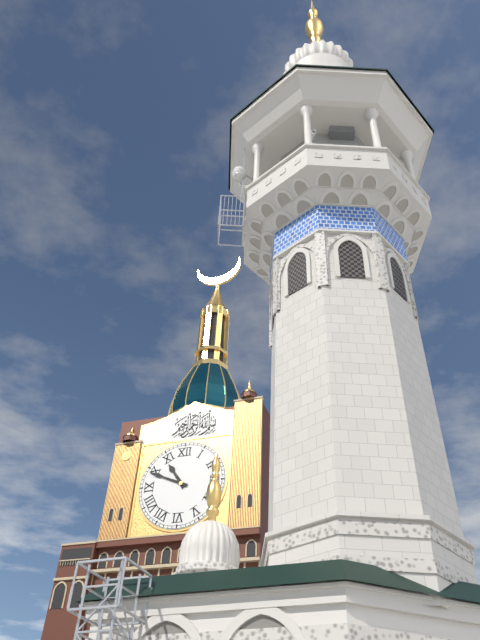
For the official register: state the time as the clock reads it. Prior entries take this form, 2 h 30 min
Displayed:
10 h 49 min
